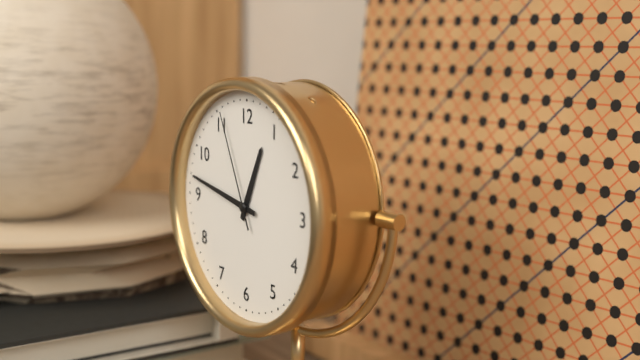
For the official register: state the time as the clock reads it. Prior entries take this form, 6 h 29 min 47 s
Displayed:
12 h 47 min 56 s
